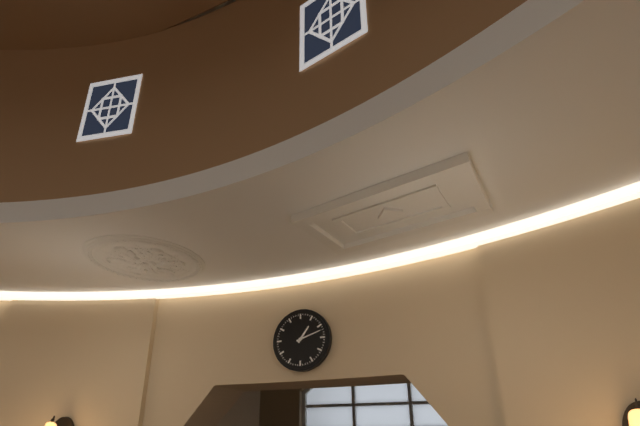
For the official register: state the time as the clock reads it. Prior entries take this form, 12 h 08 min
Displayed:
1 h 12 min
